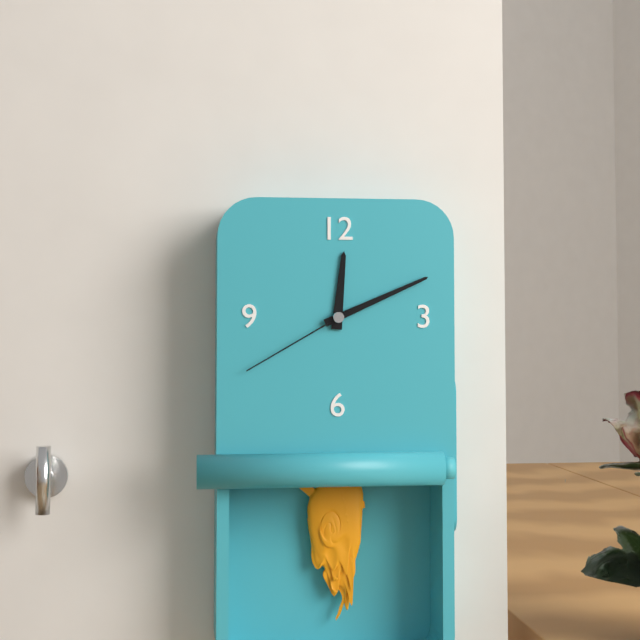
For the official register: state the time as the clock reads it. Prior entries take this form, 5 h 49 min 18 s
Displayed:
12 h 11 min 40 s
